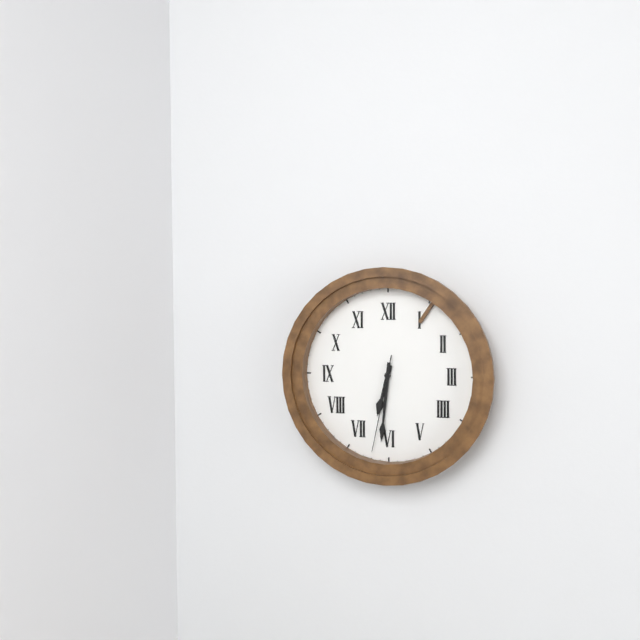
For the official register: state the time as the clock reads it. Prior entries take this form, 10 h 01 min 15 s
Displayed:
6 h 31 min 32 s
